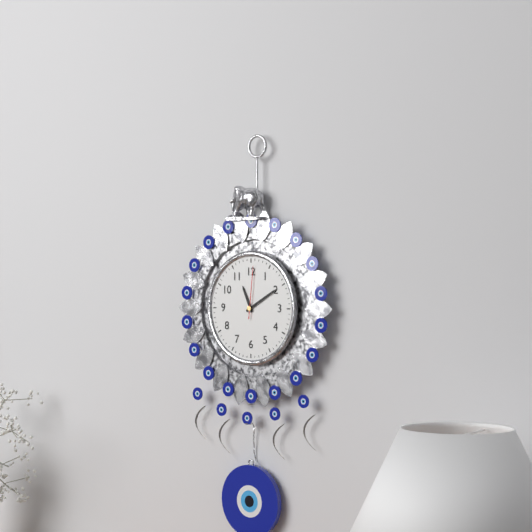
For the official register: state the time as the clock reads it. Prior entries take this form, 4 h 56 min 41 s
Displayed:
11 h 10 min 01 s
